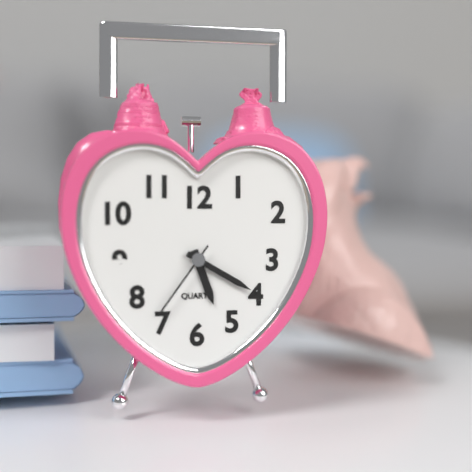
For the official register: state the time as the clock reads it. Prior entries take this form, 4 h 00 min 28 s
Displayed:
5 h 20 min 36 s
